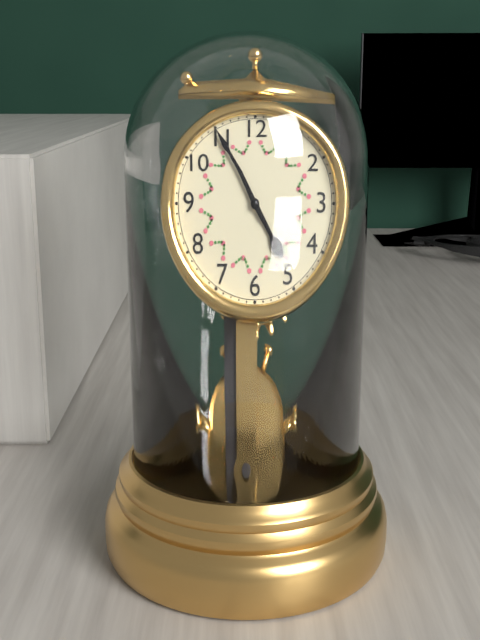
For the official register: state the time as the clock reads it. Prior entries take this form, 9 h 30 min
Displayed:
4 h 55 min
